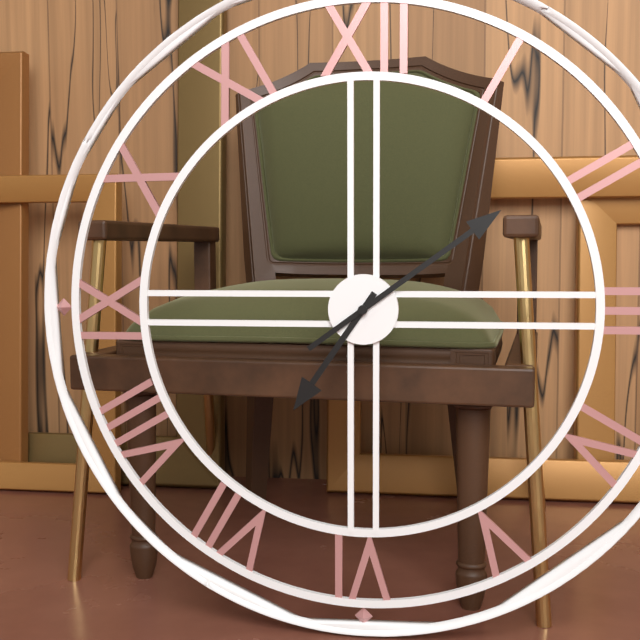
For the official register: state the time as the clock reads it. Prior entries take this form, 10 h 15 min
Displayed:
7 h 09 min
